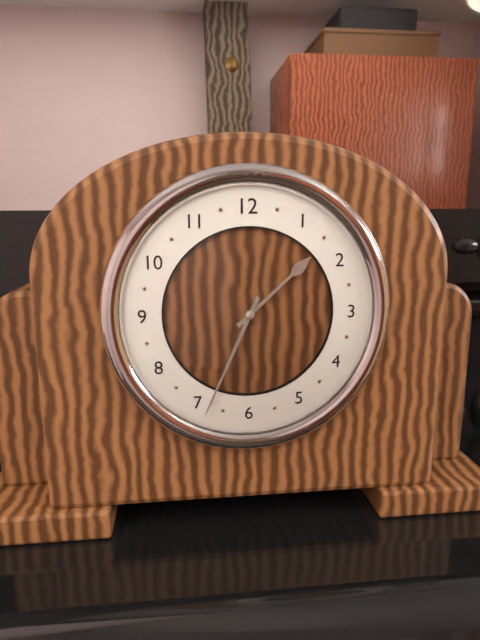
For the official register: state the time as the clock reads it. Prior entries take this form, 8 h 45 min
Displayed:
1 h 34 min
